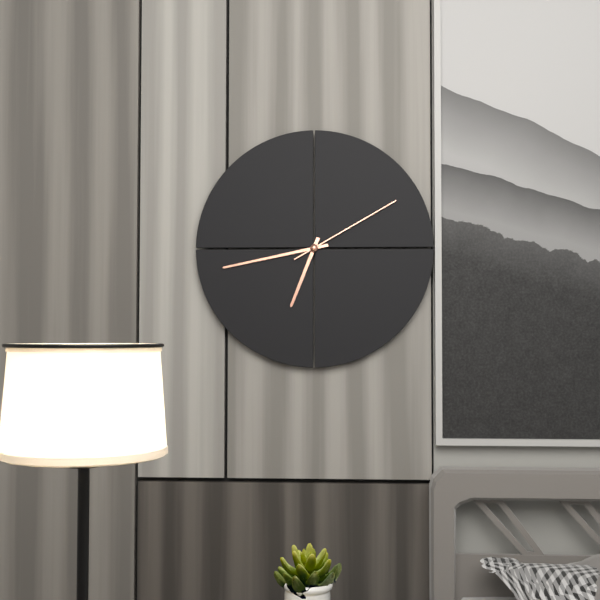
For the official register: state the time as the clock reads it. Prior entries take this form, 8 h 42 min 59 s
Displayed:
6 h 43 min 10 s
